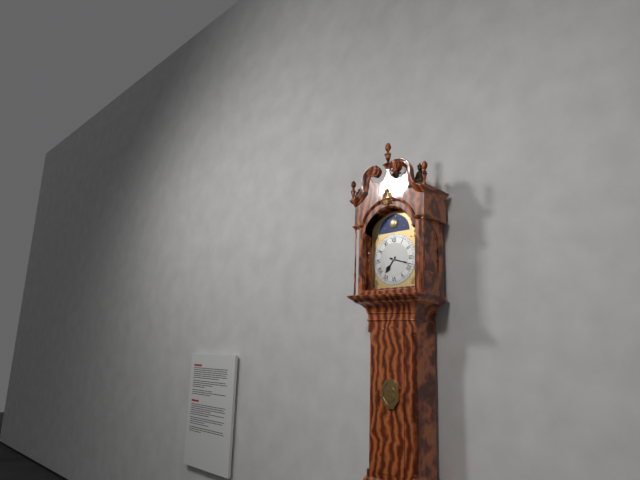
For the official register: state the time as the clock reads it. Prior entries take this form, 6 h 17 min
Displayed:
7 h 18 min
